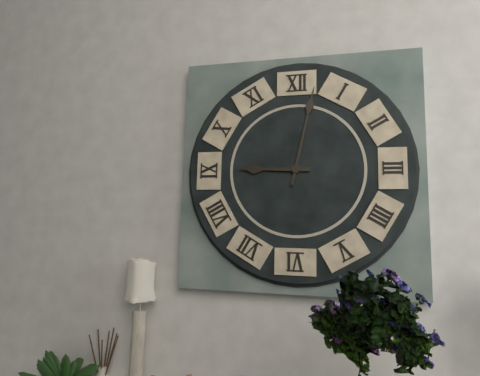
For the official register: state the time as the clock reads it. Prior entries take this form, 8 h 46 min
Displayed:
9 h 02 min
